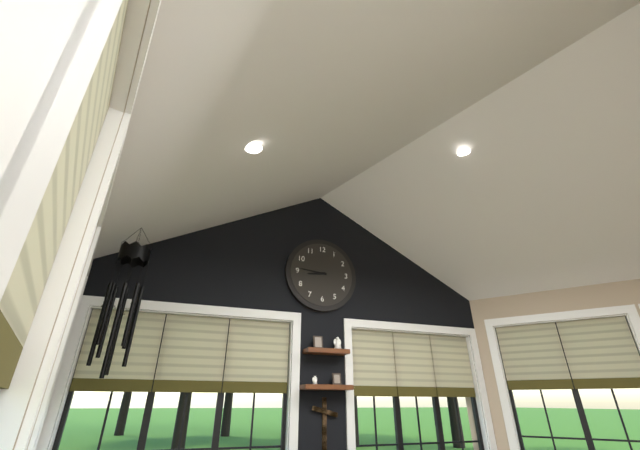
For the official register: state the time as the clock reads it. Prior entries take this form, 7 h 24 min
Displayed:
8 h 46 min
